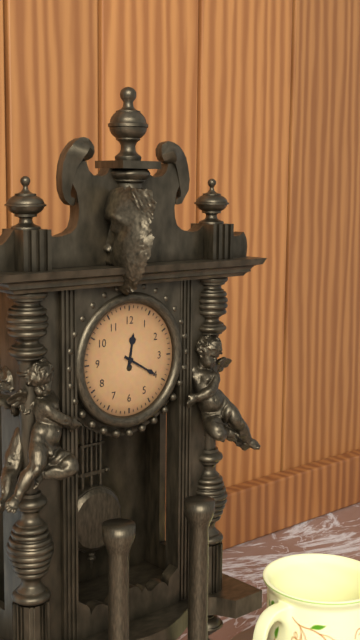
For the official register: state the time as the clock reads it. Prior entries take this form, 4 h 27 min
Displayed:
12 h 20 min
